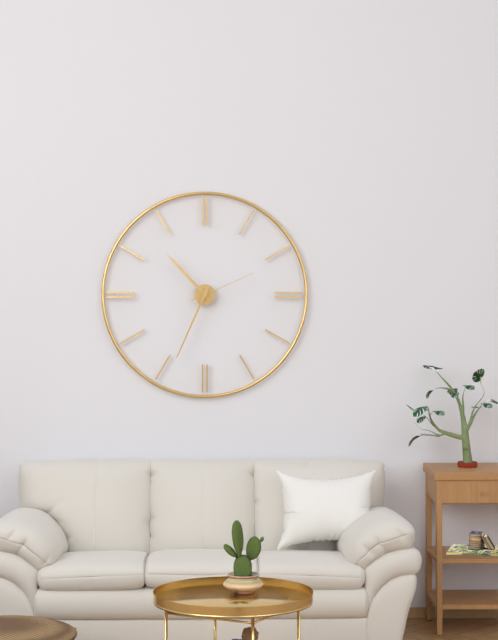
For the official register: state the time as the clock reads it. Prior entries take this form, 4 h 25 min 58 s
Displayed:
10 h 34 min 11 s
